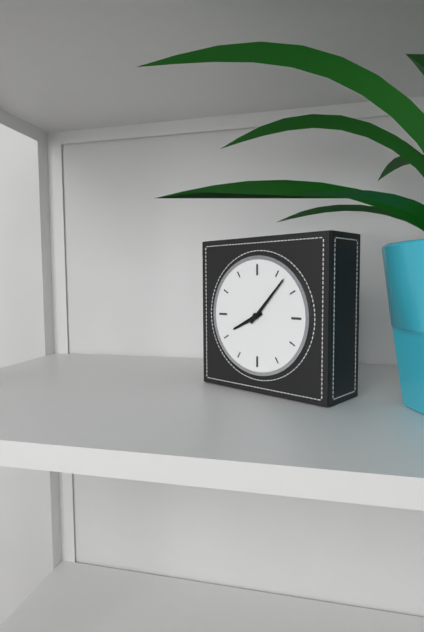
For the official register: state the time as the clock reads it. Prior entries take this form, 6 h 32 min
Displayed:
8 h 07 min
